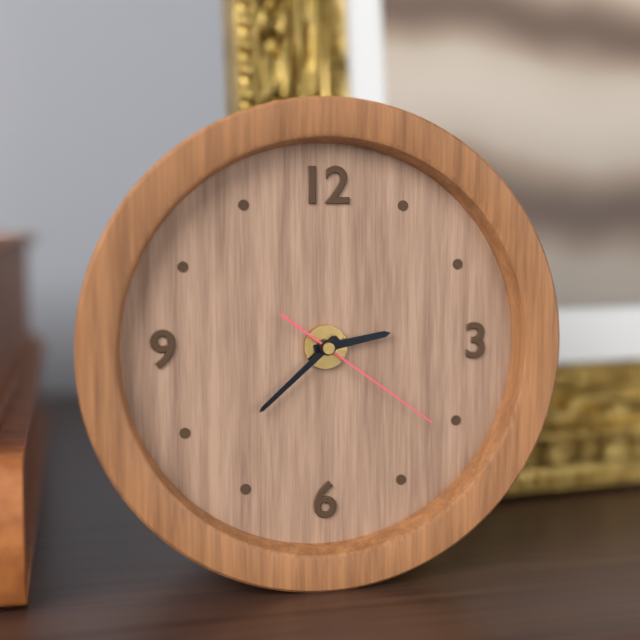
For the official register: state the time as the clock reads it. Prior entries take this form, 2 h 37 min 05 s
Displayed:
2 h 38 min 21 s
